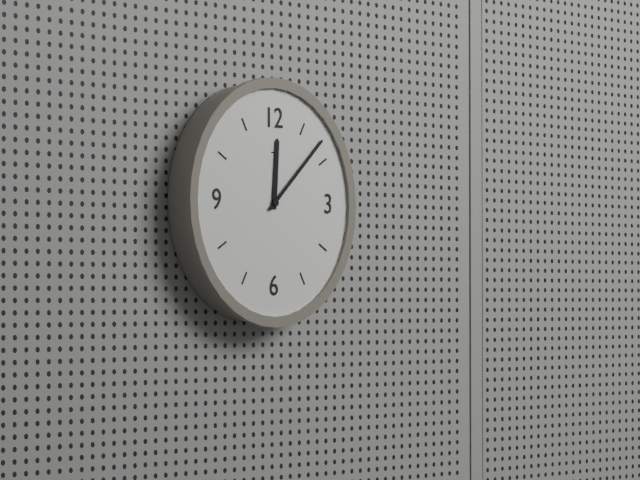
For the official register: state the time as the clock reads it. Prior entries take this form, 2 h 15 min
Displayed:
12 h 08 min
